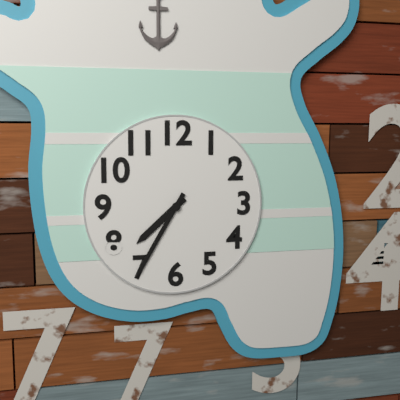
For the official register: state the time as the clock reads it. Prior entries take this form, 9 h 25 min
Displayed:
7 h 35 min
